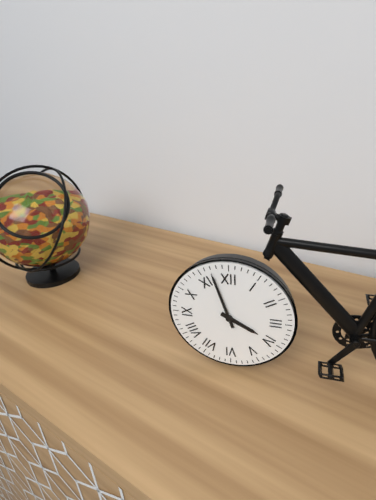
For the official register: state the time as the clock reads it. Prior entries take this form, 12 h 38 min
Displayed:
3 h 57 min
